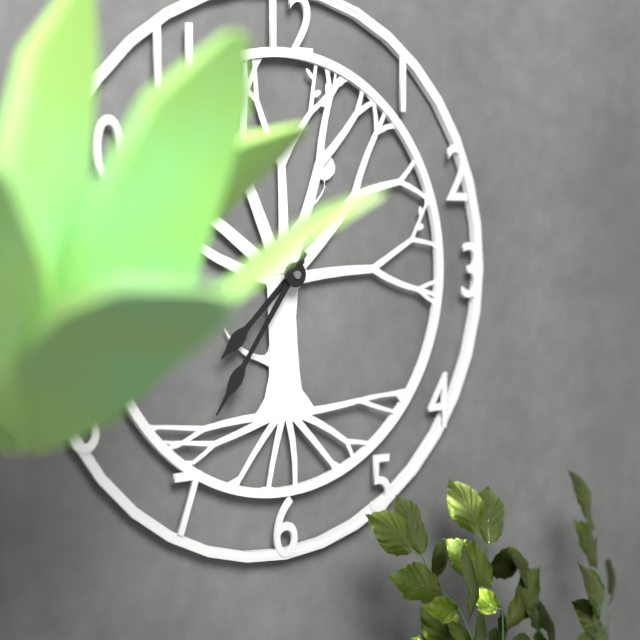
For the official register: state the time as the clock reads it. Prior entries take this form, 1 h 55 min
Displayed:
7 h 36 min
